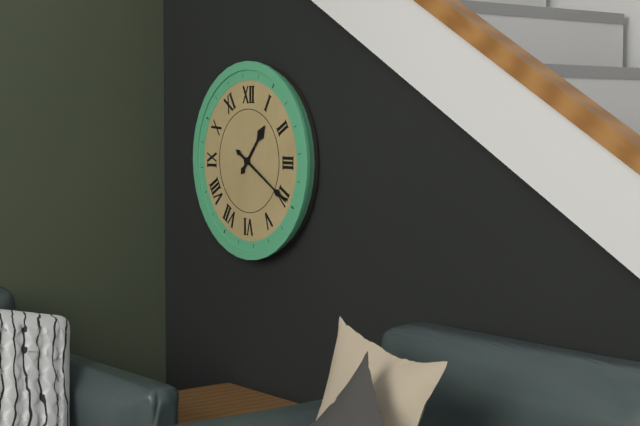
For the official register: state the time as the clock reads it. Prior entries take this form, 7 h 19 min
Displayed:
1 h 20 min
